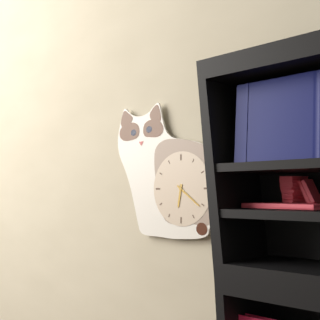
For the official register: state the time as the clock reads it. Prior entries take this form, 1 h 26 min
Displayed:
6 h 21 min
